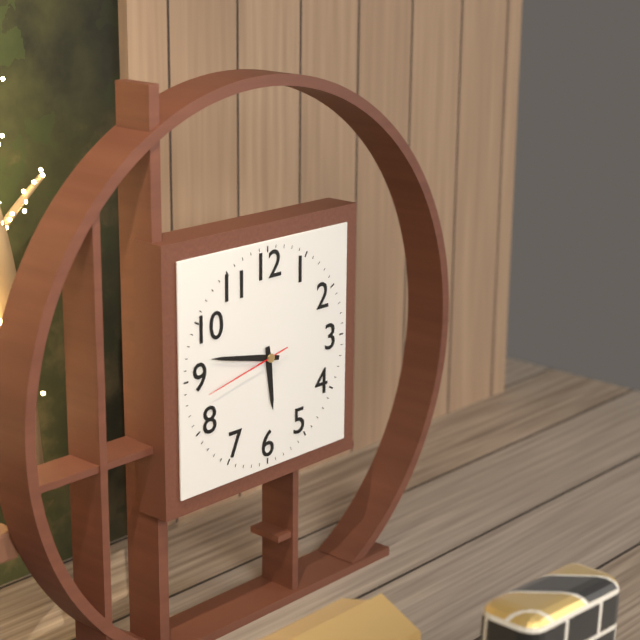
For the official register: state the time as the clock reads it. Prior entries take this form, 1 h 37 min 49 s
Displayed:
5 h 47 min 43 s
